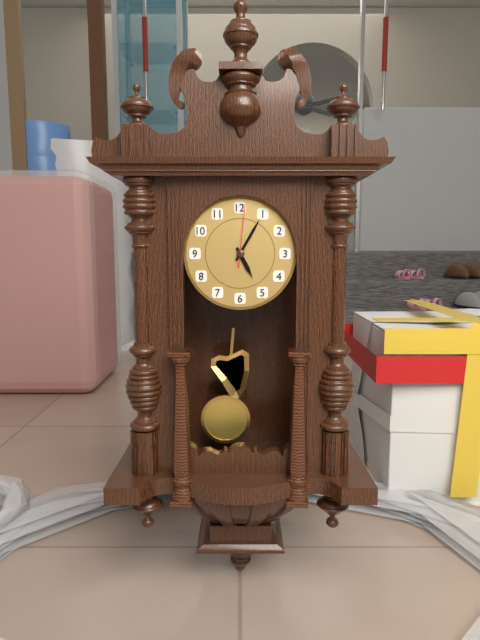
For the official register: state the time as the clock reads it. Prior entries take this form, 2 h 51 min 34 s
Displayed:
5 h 05 min 01 s
